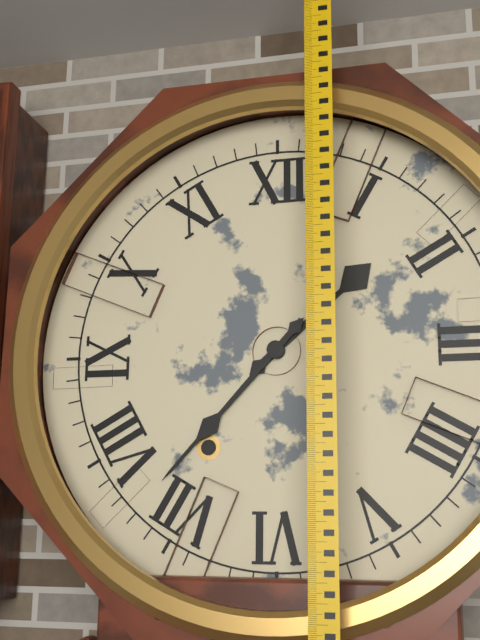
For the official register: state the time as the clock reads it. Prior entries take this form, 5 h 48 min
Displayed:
1 h 37 min
